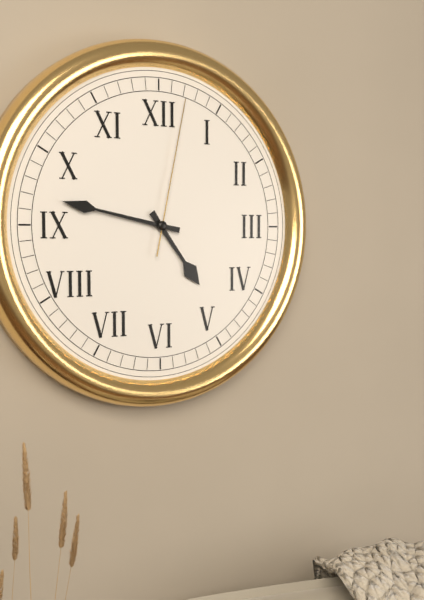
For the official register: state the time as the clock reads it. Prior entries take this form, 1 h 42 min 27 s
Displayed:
4 h 47 min 02 s
